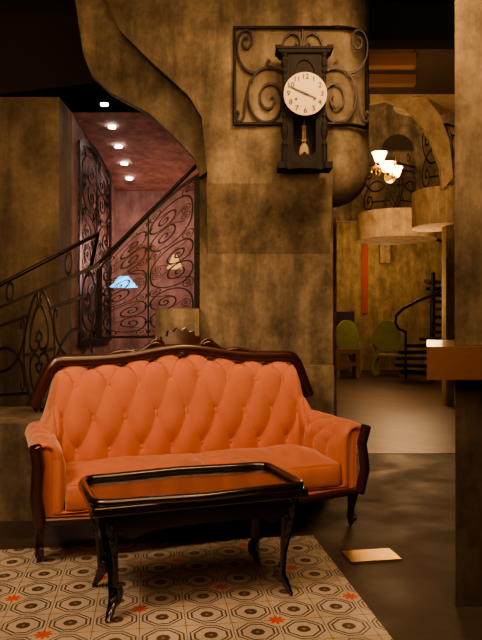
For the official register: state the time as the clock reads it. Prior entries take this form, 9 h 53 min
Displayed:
3 h 49 min
